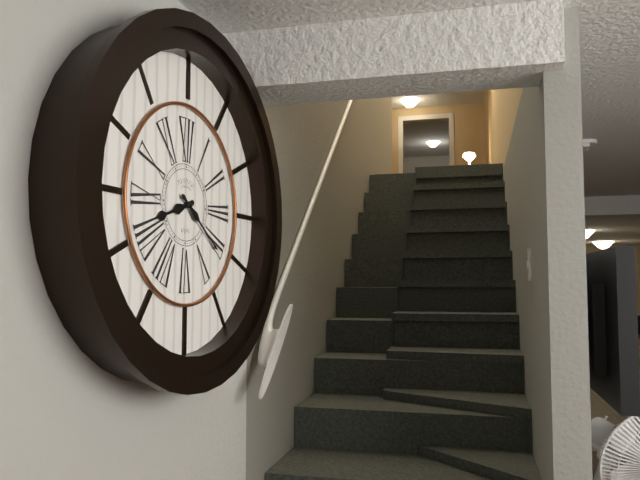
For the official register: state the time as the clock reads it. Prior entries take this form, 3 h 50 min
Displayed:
8 h 21 min
